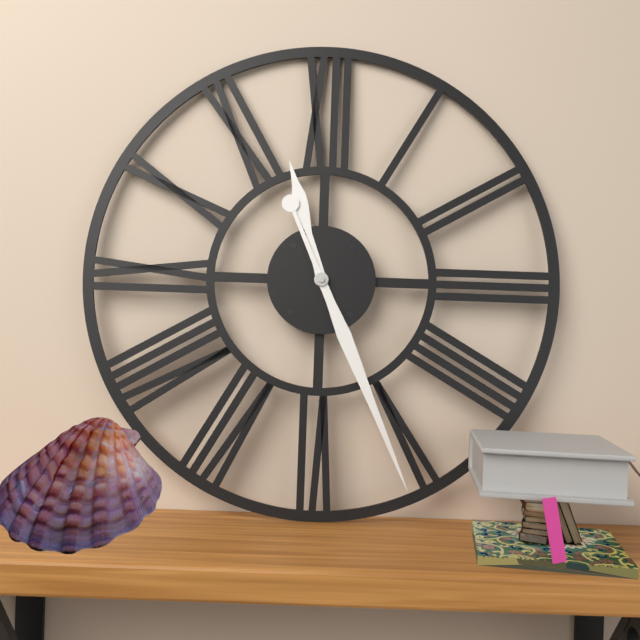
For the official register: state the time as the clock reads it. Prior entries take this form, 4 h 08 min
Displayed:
11 h 26 min
